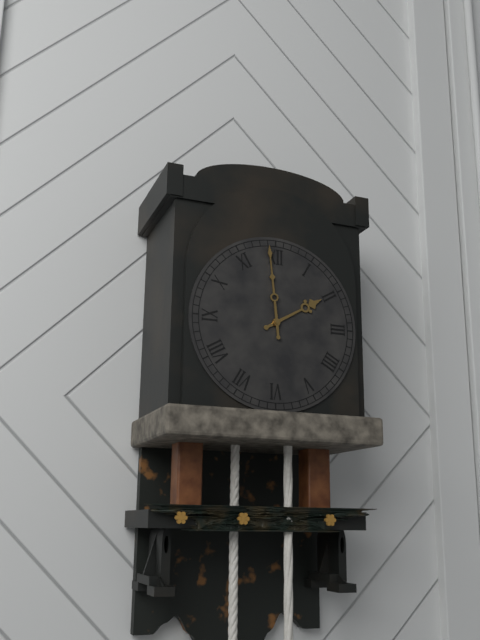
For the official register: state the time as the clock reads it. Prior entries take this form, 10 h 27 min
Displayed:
1 h 59 min
